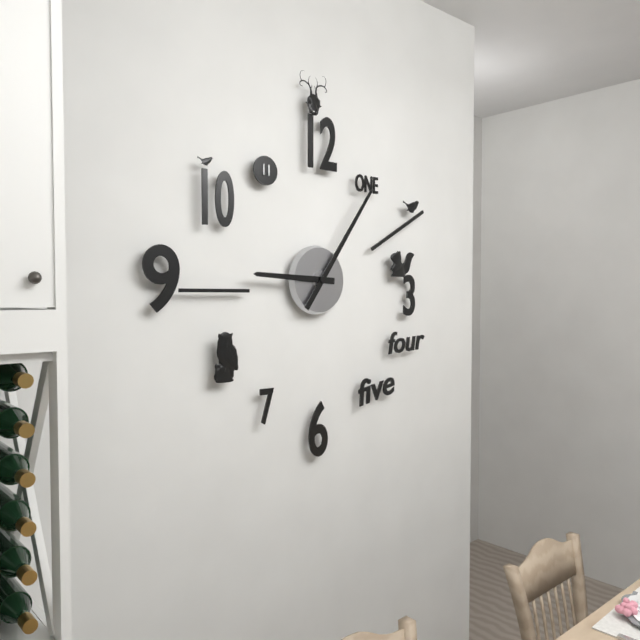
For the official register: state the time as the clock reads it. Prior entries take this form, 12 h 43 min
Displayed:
9 h 06 min
